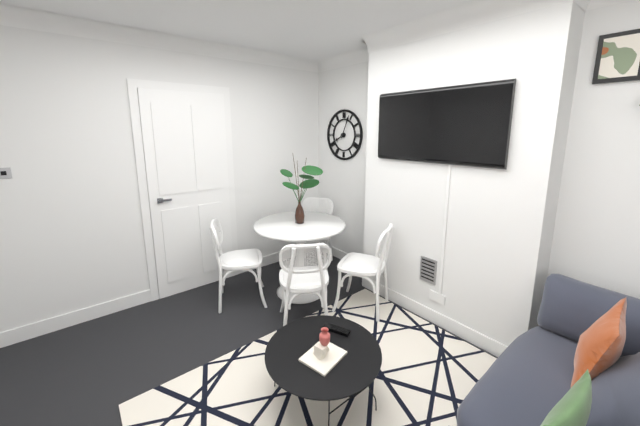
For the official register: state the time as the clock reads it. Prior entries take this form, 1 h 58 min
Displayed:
8 h 04 min
